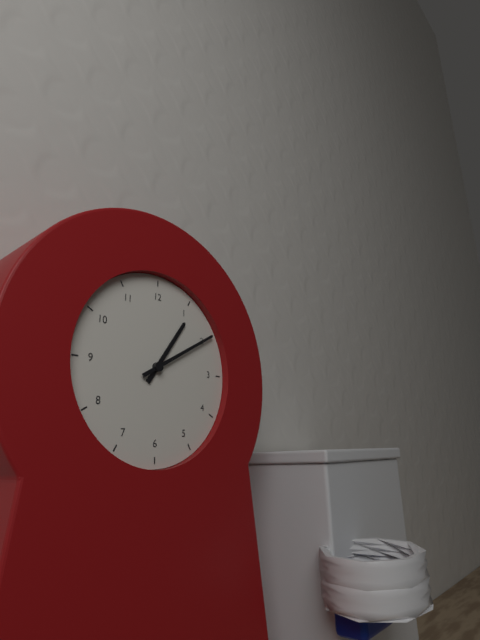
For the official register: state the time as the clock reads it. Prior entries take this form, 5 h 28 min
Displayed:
1 h 10 min
